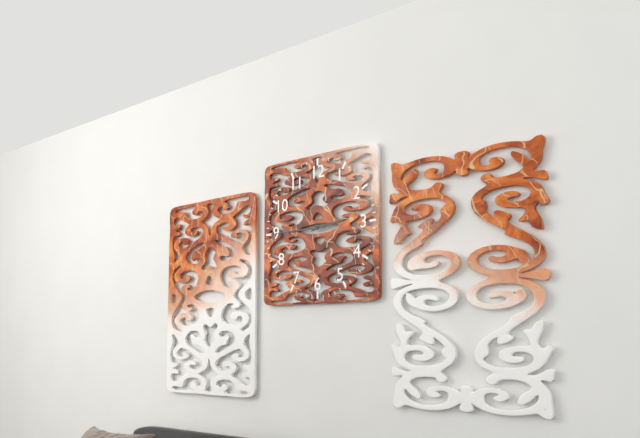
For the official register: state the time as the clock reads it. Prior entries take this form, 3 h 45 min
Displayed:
2 h 45 min
